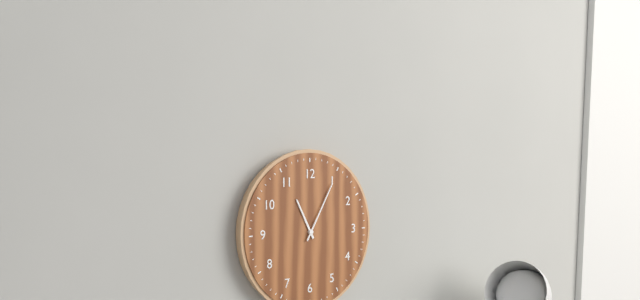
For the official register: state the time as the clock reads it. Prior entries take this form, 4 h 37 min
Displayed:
11 h 05 min
